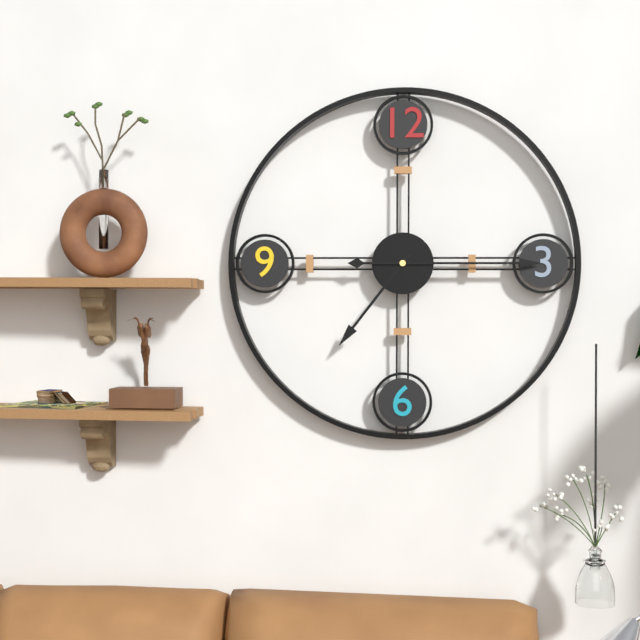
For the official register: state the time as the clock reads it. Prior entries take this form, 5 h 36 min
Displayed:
7 h 15 min
